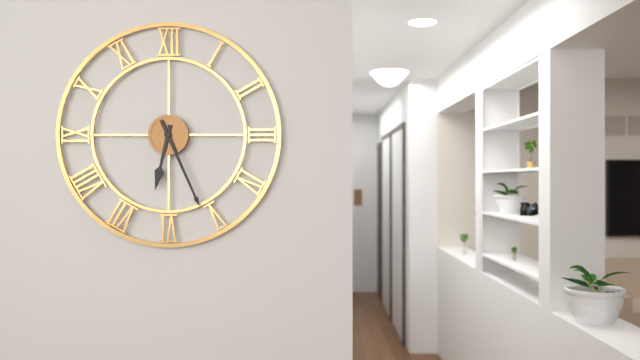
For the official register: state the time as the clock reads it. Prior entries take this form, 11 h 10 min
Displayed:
6 h 26 min
